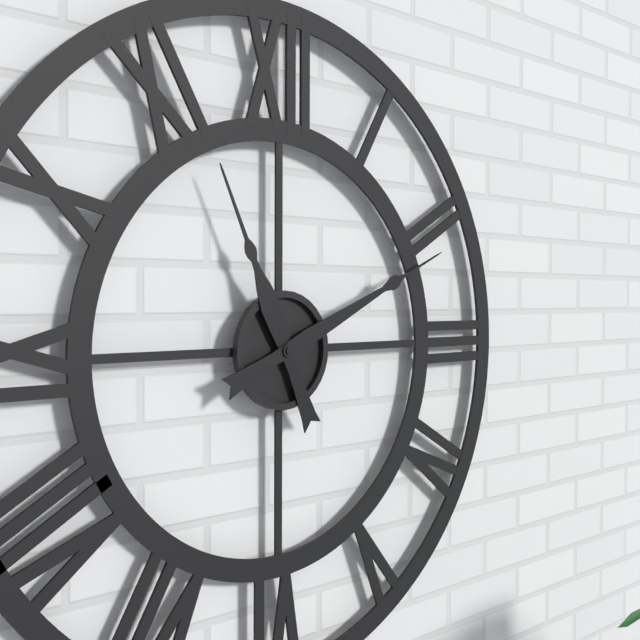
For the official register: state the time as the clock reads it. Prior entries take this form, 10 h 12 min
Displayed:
11 h 11 min
